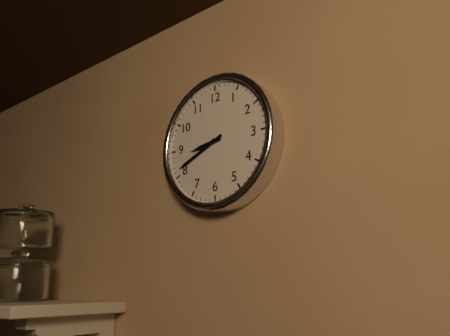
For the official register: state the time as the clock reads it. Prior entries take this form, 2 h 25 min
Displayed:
8 h 41 min
